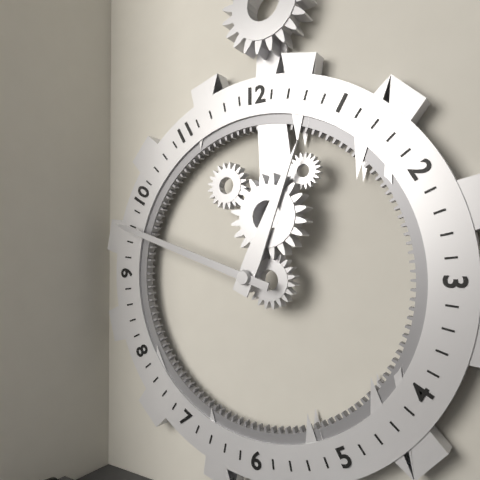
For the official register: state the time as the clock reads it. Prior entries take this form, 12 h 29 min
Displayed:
12 h 48 min
